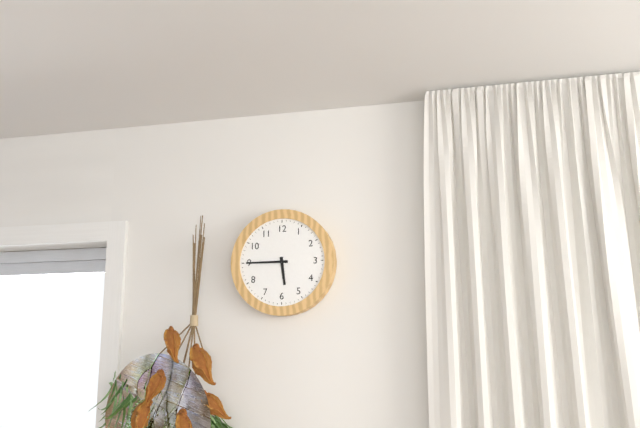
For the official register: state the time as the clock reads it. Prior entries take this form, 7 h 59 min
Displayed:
5 h 45 min
